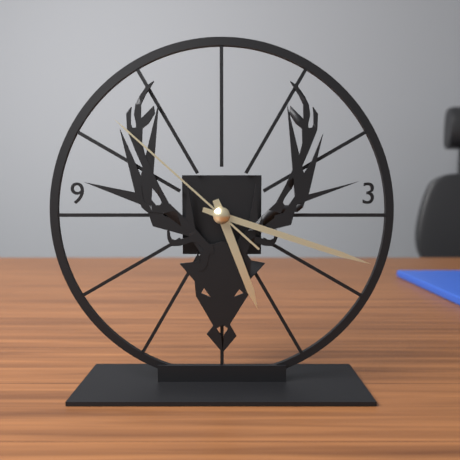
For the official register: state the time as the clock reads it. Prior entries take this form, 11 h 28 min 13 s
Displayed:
5 h 18 min 52 s
